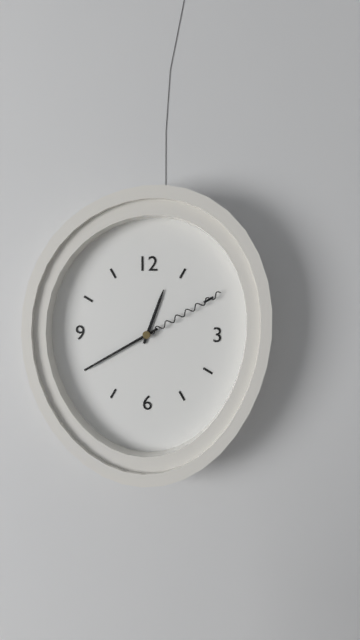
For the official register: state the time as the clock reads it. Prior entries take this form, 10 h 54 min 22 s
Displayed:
12 h 40 min 10 s
